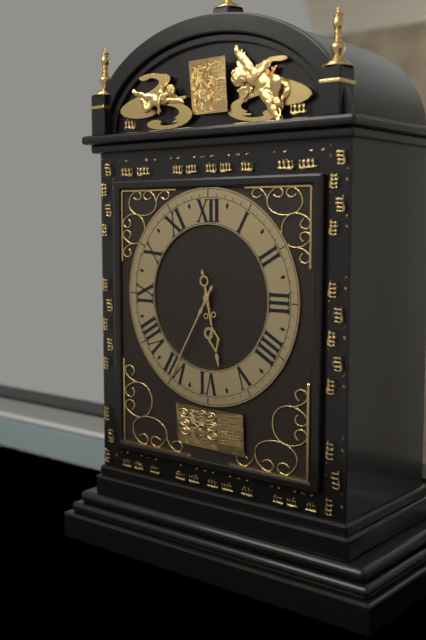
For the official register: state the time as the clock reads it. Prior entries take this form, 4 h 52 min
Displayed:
5 h 35 min
